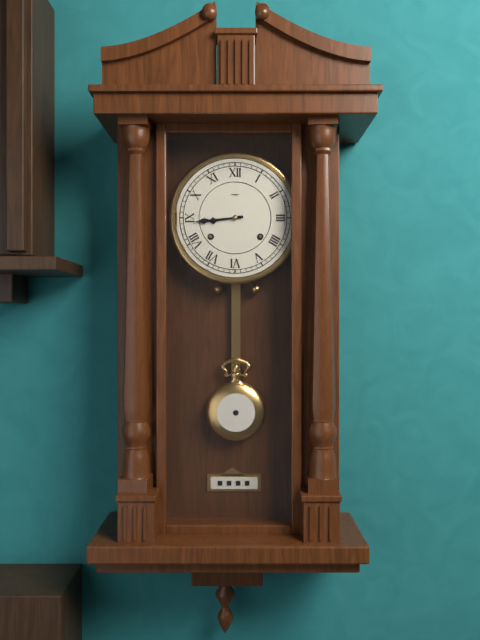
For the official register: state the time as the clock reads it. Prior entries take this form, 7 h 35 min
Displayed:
8 h 44 min
